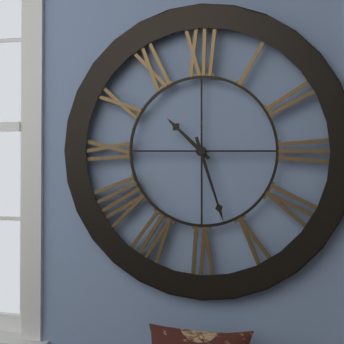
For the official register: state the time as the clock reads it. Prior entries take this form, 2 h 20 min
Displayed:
10 h 27 min
